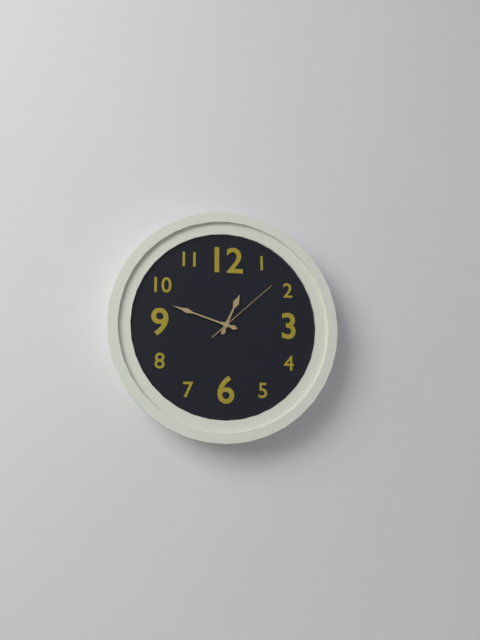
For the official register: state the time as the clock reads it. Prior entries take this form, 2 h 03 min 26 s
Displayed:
12 h 48 min 08 s
